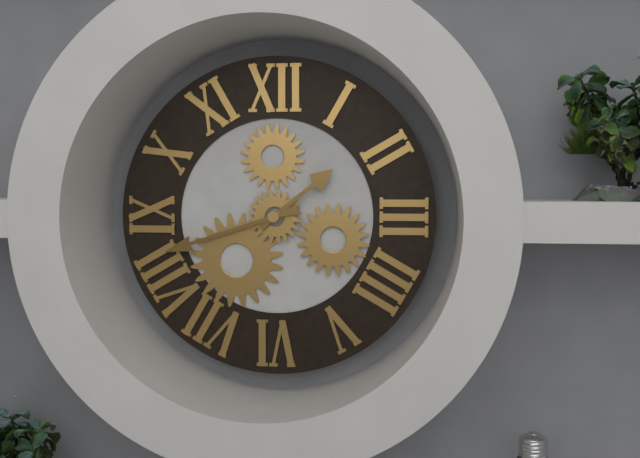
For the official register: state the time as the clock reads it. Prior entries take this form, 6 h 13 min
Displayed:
1 h 42 min
